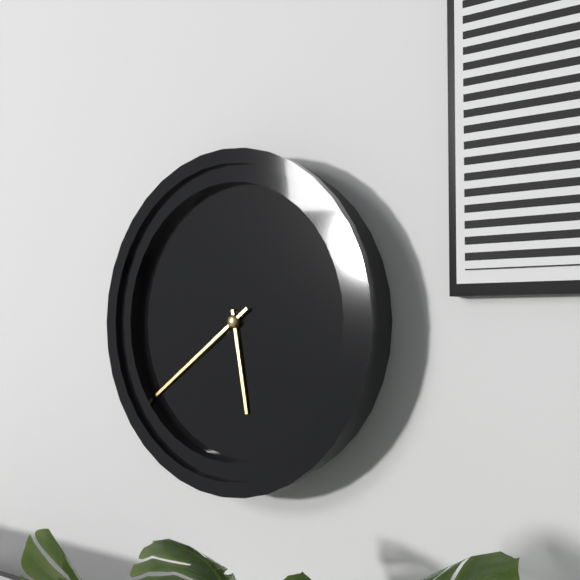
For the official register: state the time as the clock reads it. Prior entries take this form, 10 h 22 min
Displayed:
5 h 39 min
